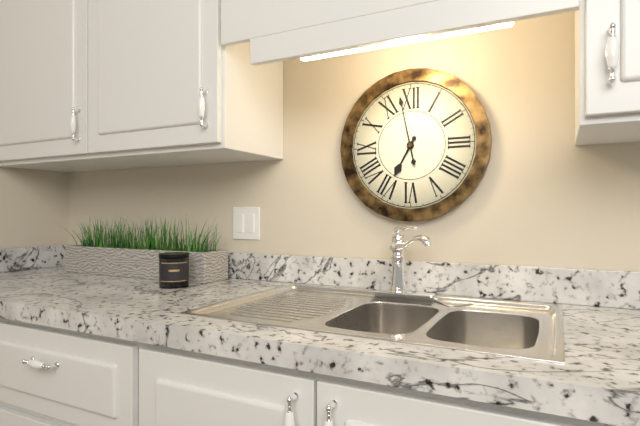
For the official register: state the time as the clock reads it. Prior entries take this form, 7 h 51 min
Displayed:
6 h 58 min
